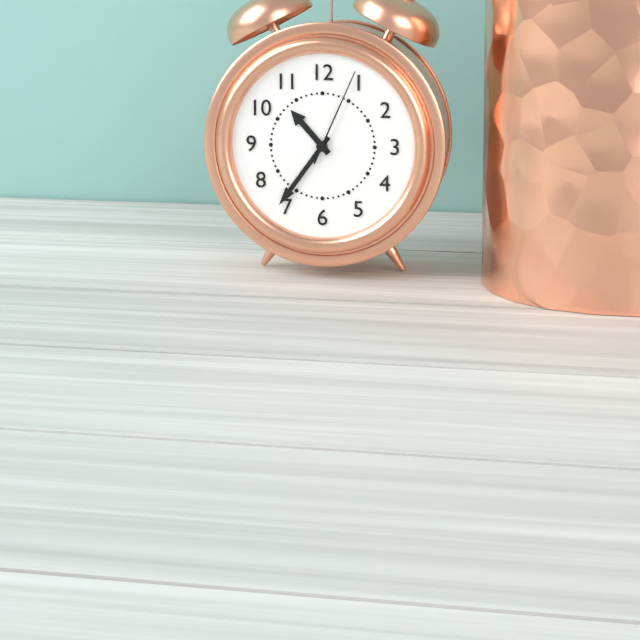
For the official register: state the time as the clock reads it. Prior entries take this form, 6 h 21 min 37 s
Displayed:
10 h 36 min 04 s
